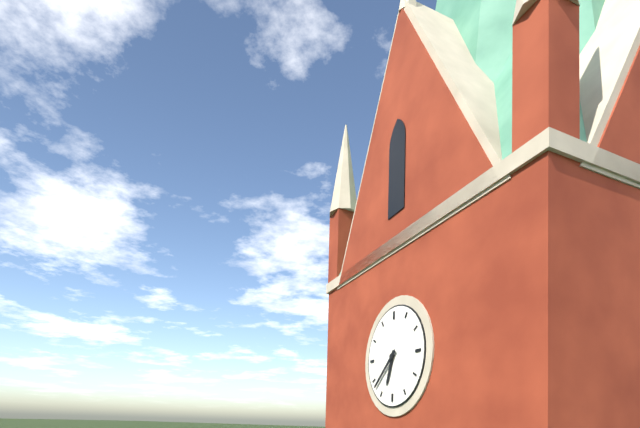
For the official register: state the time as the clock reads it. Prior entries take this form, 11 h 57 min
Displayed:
6 h 38 min
